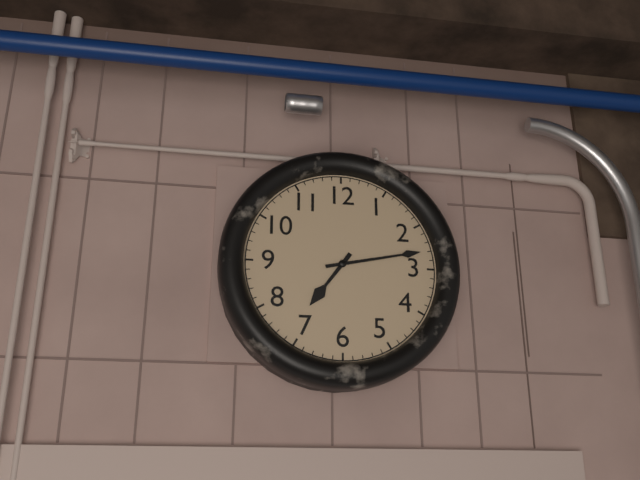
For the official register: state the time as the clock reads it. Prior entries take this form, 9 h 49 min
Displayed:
7 h 13 min
